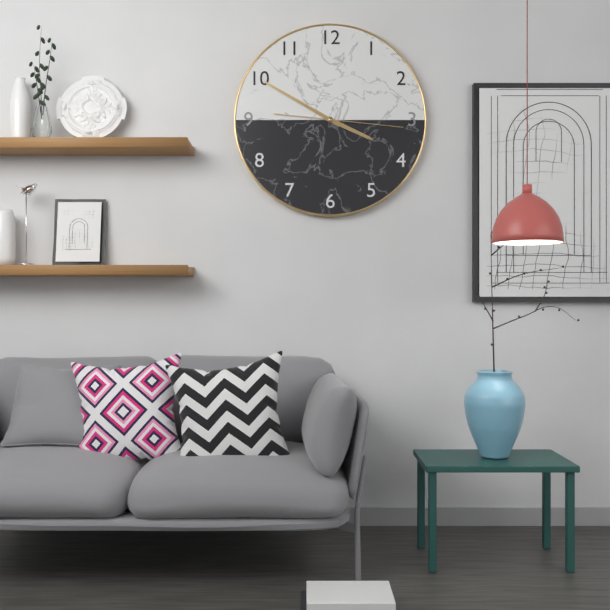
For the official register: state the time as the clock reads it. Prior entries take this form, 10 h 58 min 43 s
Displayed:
3 h 50 min 16 s
